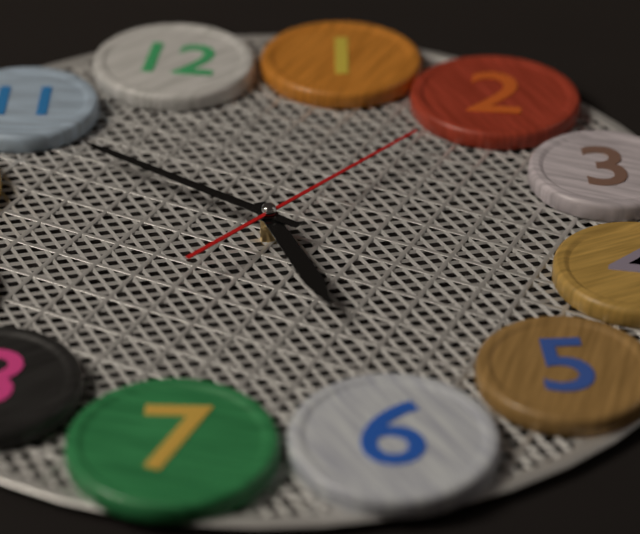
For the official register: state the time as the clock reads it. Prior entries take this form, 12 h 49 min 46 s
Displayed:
5 h 54 min 10 s
